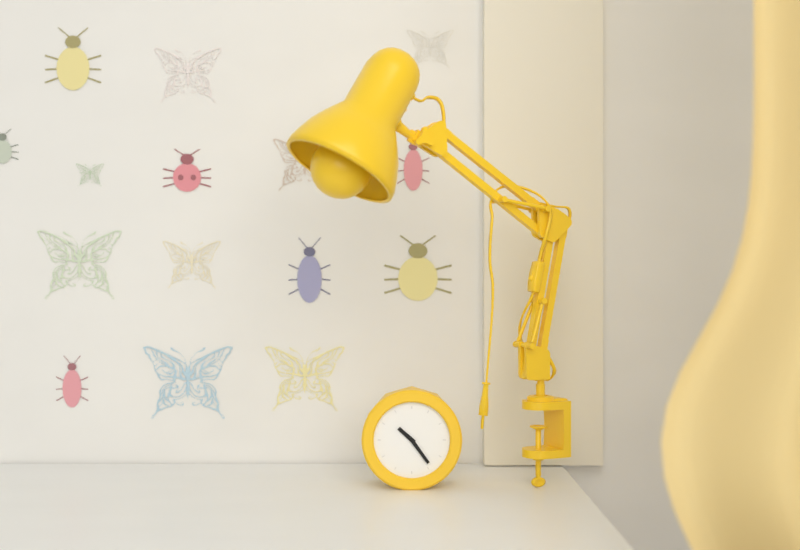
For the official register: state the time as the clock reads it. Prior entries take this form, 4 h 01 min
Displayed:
10 h 24 min
